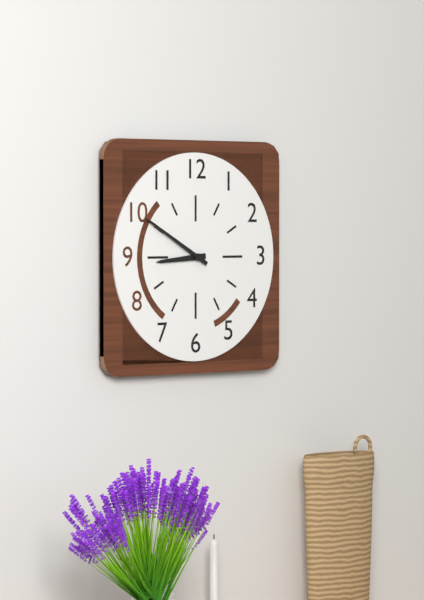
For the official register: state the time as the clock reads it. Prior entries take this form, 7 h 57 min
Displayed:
8 h 50 min
